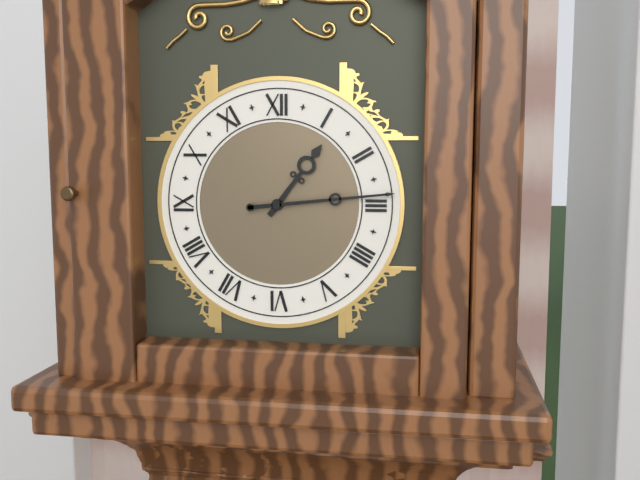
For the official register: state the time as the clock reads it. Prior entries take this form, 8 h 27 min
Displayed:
1 h 14 min
